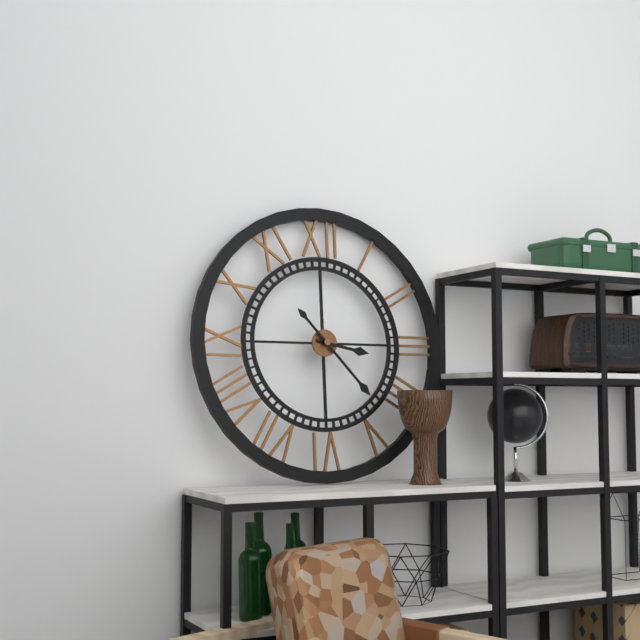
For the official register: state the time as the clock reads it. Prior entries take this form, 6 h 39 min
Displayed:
3 h 23 min
